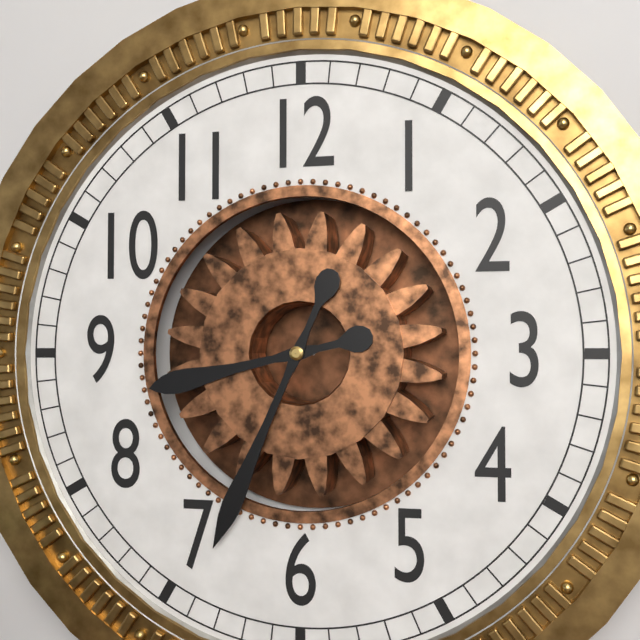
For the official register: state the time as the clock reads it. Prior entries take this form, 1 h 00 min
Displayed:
8 h 34 min
